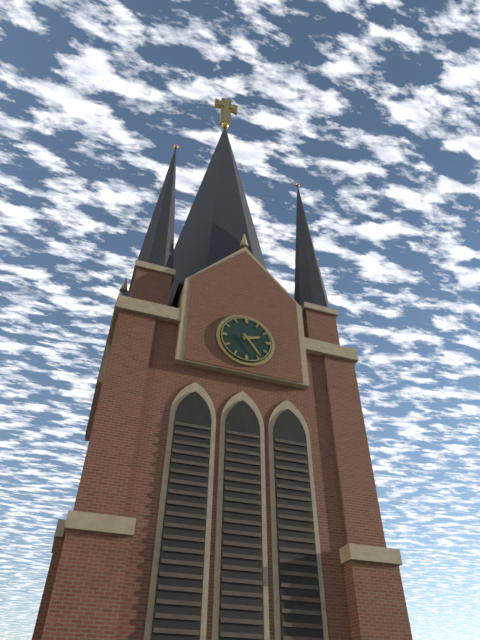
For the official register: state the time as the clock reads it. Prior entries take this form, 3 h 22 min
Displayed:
2 h 24 min
